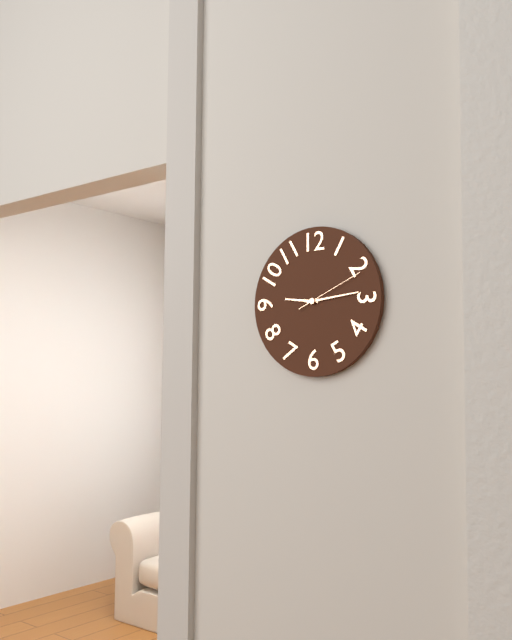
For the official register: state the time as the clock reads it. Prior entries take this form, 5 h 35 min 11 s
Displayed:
9 h 14 min 11 s
